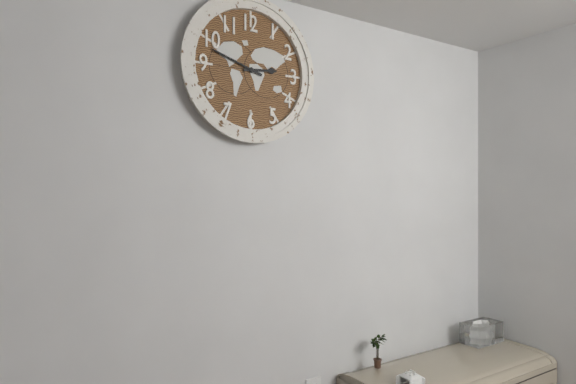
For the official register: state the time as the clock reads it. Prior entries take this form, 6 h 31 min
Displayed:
2 h 48 min
